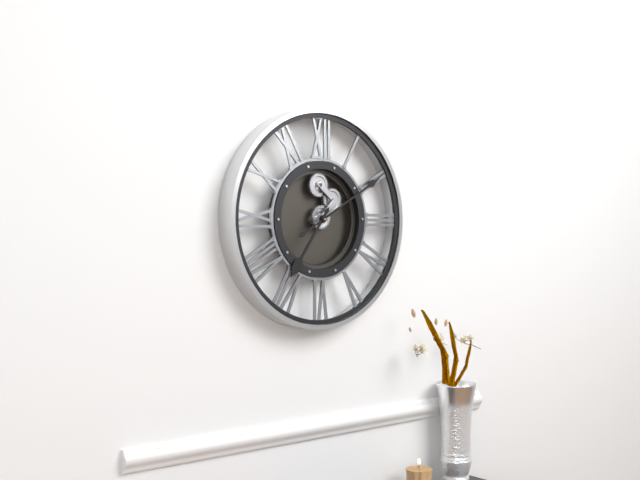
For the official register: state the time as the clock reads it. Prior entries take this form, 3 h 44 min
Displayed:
7 h 10 min
